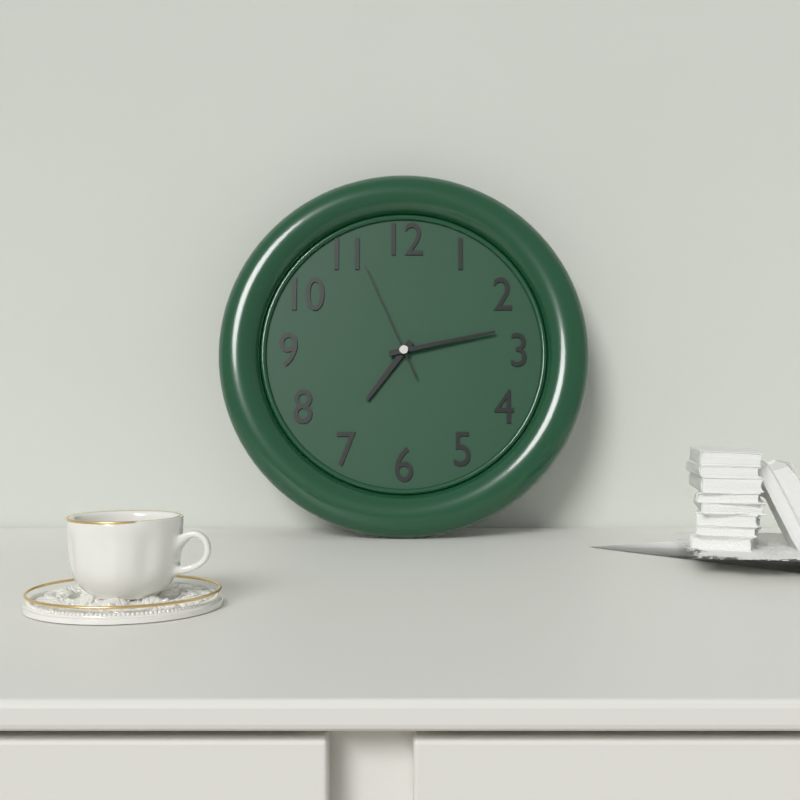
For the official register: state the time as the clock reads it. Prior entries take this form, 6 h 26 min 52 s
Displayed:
7 h 13 min 56 s
